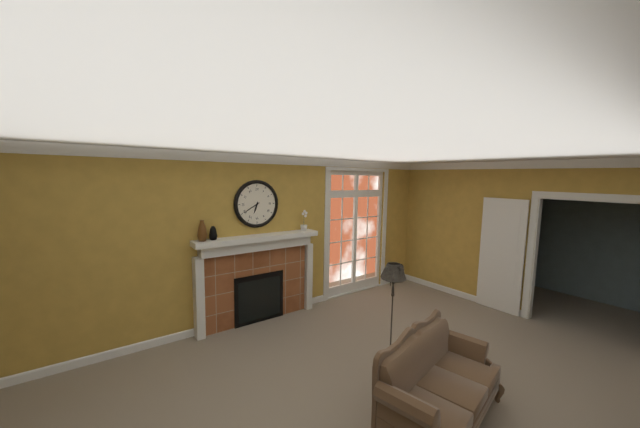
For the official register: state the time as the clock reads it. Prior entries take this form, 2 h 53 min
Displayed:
6 h 40 min
